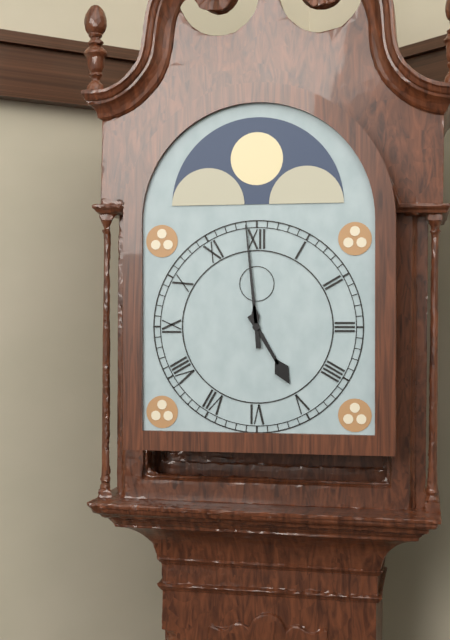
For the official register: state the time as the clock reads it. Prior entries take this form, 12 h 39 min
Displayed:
4 h 59 min
